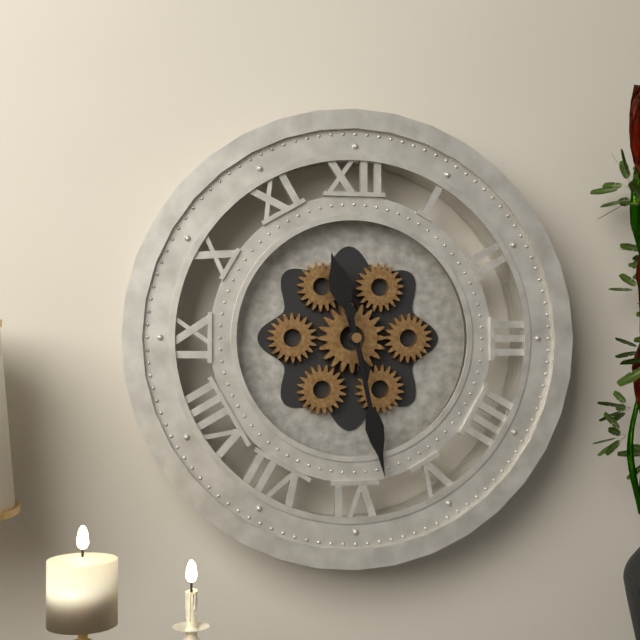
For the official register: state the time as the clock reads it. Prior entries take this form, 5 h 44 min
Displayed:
11 h 28 min
